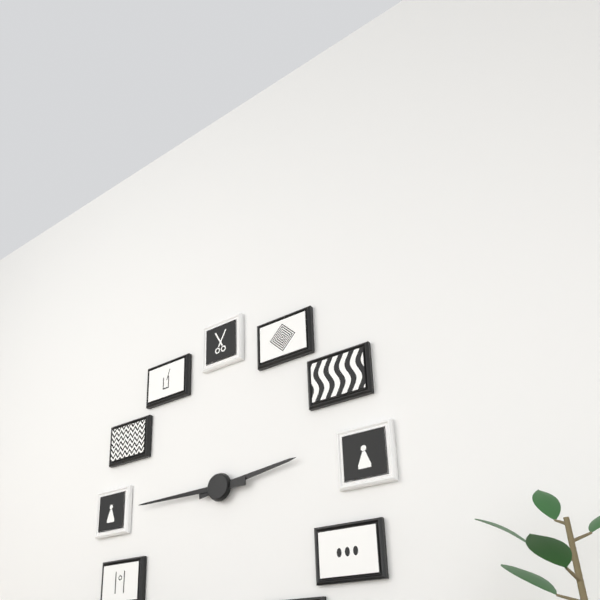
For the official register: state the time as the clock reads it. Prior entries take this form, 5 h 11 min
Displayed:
2 h 45 min
